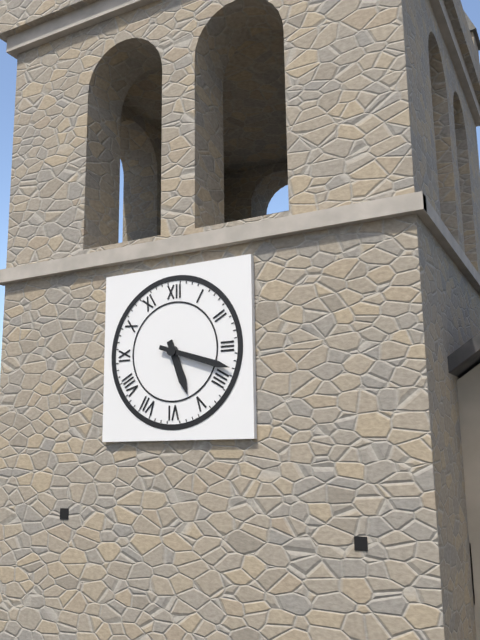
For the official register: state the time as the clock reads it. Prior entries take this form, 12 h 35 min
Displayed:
5 h 18 min
